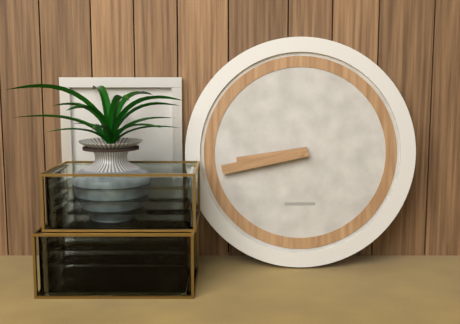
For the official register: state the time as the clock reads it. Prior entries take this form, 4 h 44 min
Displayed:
8 h 43 min
